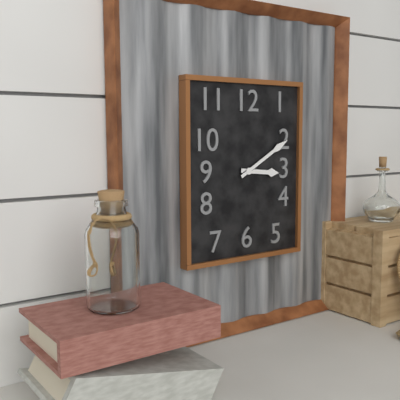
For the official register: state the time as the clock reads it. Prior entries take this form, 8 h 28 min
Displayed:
3 h 10 min
